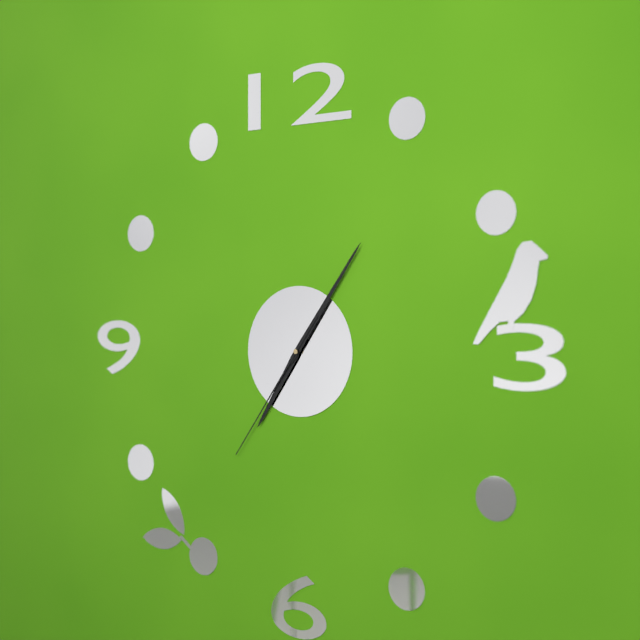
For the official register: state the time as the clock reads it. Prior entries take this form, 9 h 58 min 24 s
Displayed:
7 h 06 min 36 s
